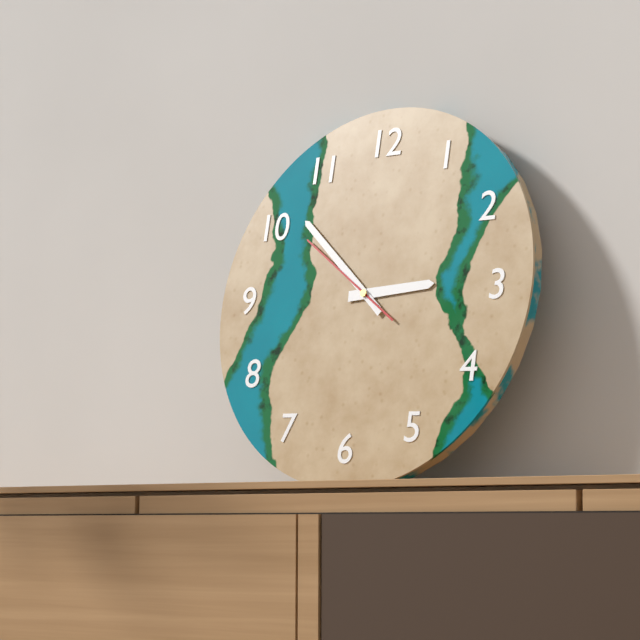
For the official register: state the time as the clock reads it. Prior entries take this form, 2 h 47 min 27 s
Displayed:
2 h 52 min 51 s
